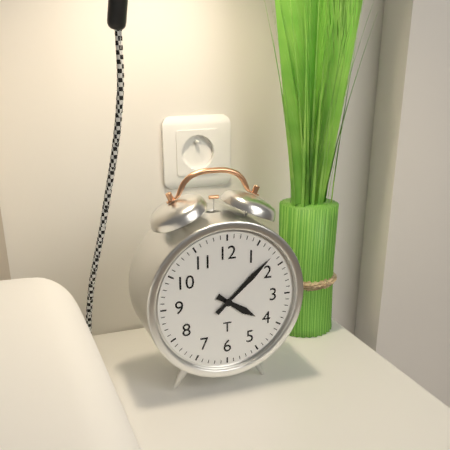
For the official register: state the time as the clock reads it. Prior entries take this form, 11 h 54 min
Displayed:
4 h 08 min
